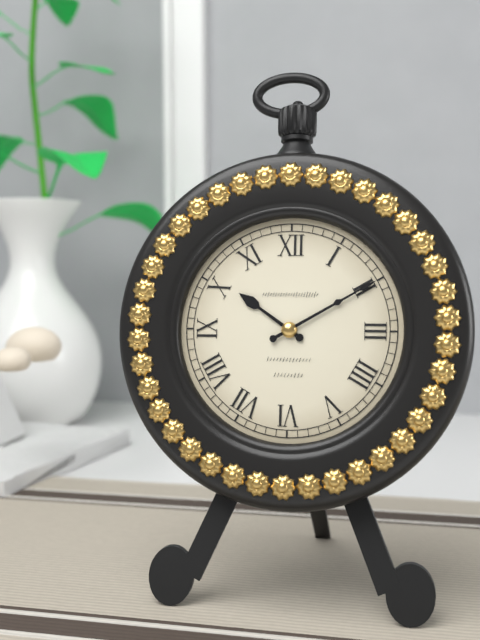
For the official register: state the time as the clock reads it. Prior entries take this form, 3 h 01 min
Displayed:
10 h 10 min
